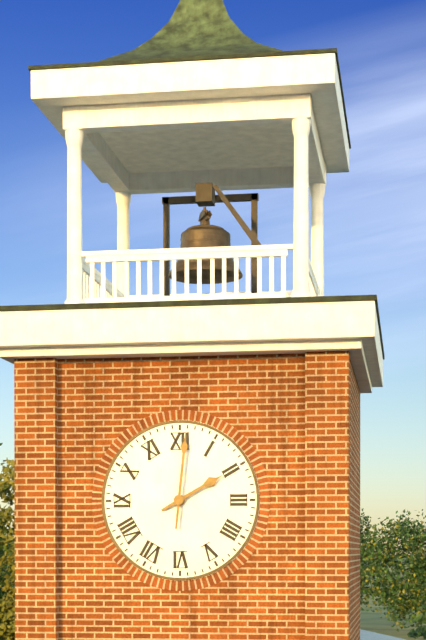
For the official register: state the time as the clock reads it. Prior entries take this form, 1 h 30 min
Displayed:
2 h 01 min
